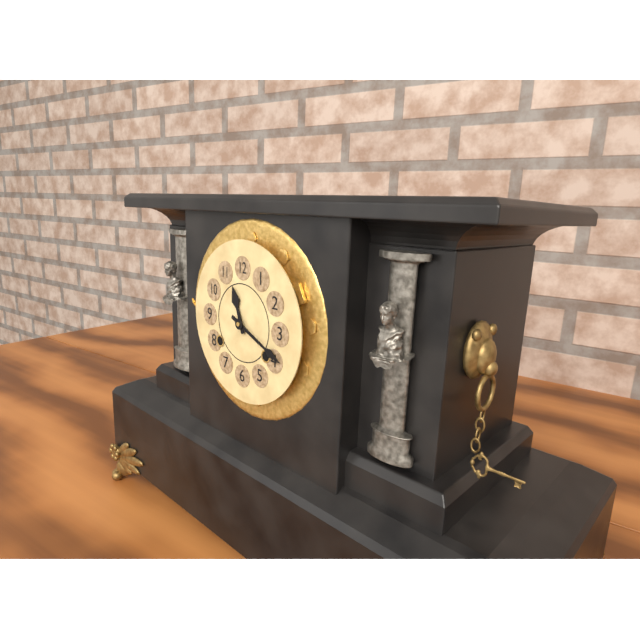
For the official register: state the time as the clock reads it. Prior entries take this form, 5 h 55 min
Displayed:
11 h 19 min
